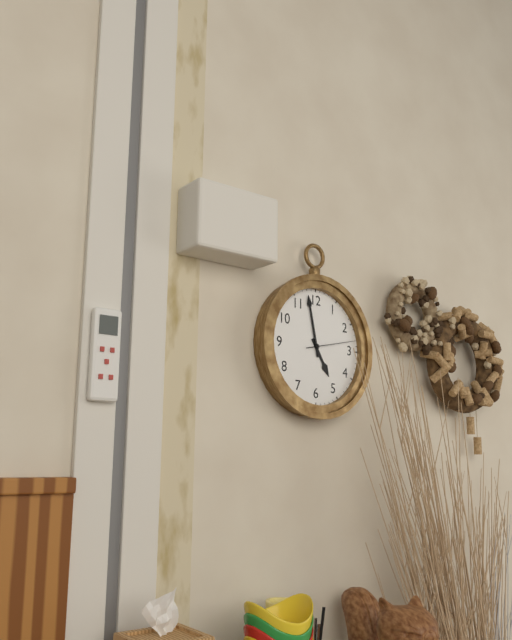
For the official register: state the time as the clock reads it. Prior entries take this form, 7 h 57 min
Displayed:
4 h 58 min
